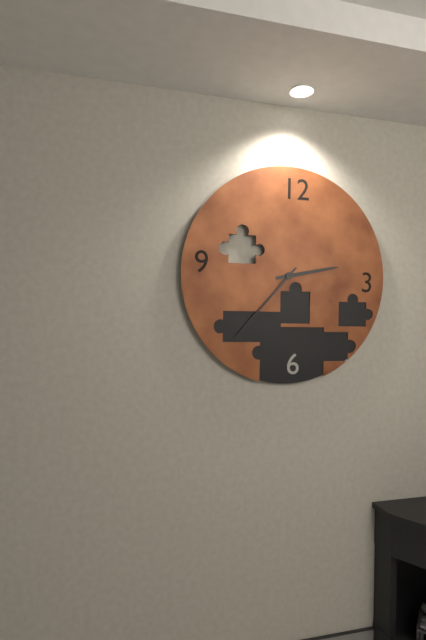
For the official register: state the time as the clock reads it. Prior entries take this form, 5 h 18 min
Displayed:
2 h 37 min
